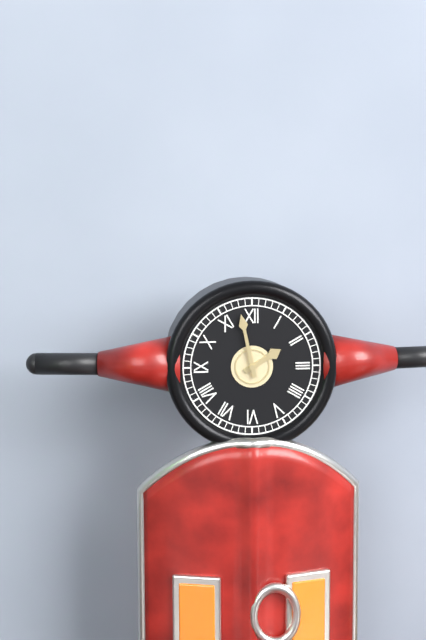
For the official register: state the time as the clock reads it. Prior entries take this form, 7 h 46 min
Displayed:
1 h 58 min
